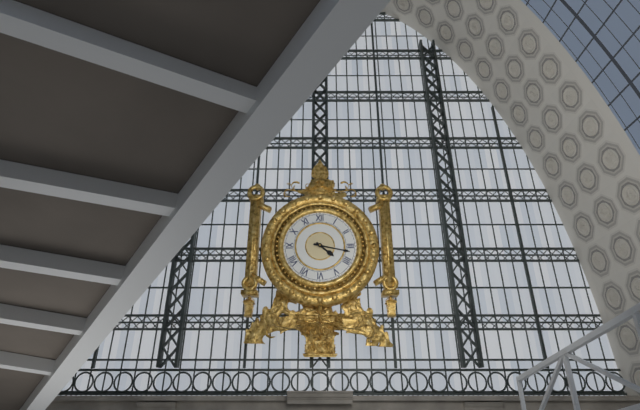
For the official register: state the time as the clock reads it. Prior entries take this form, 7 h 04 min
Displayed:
4 h 17 min
